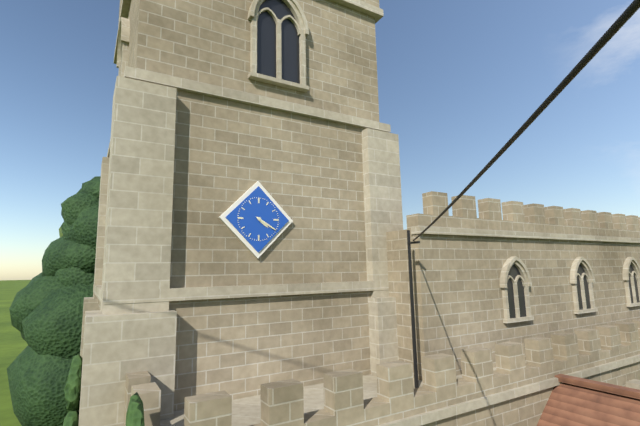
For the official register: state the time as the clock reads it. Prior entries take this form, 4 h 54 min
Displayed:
4 h 20 min
